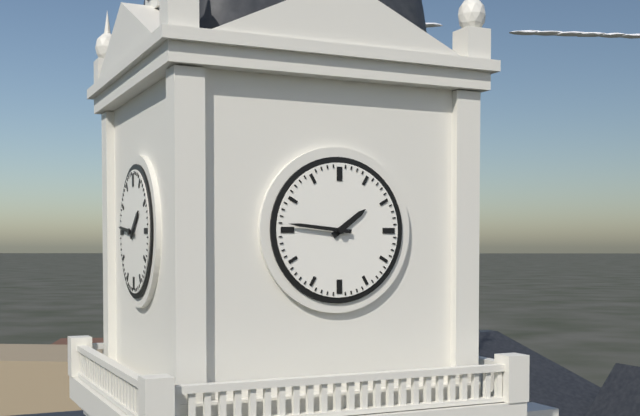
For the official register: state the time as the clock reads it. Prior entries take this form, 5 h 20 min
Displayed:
1 h 46 min
